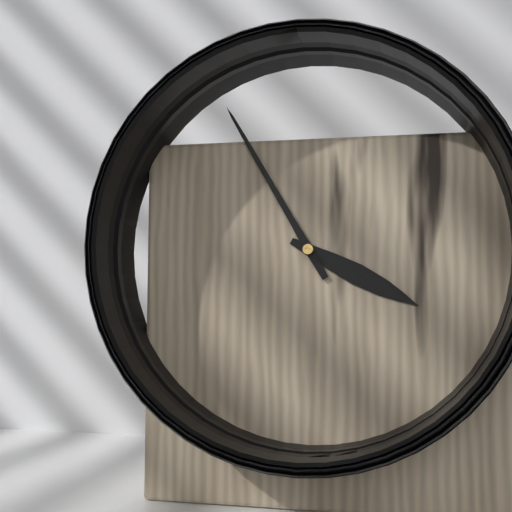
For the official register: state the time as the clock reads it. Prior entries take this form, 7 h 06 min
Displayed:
3 h 55 min
